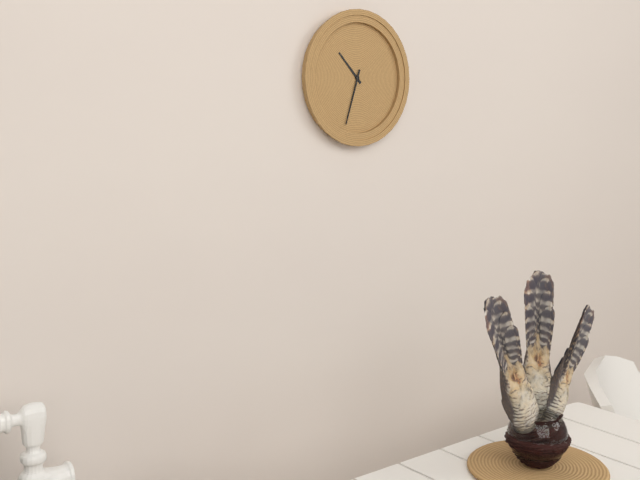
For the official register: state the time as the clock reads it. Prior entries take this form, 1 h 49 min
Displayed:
10 h 33 min
